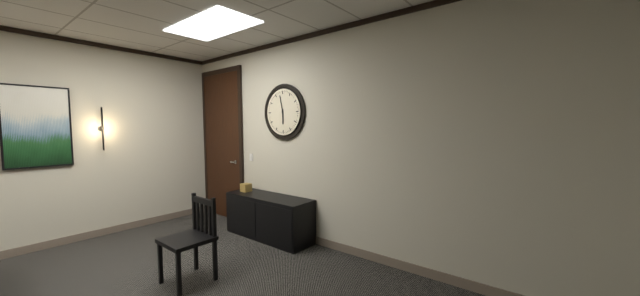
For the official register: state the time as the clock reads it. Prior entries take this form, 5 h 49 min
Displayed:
5 h 58 min
